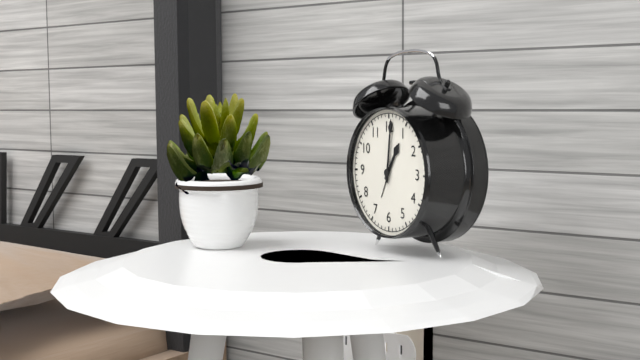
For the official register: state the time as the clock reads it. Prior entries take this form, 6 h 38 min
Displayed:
1 h 01 min
